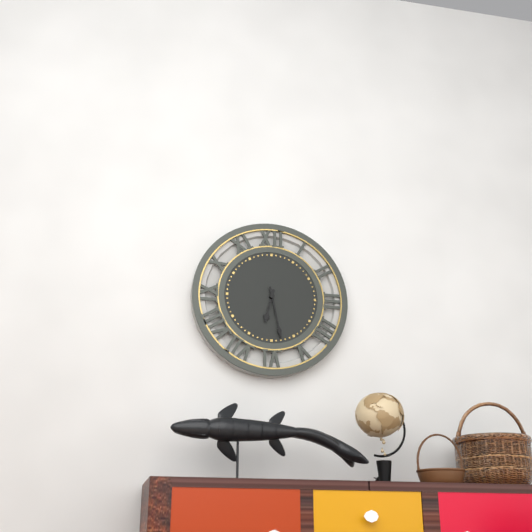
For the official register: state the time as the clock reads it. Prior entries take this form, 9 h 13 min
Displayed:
6 h 28 min
